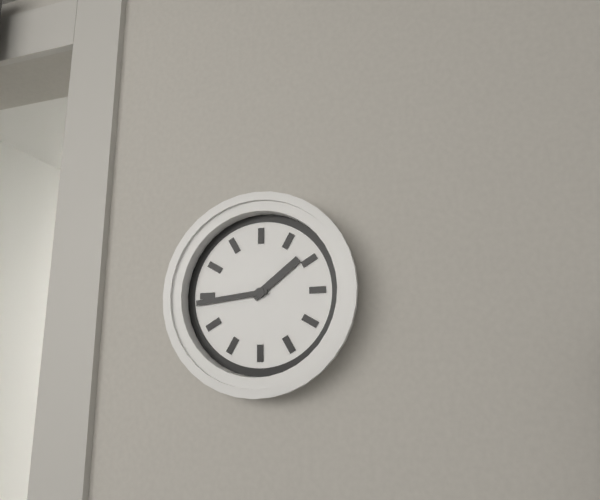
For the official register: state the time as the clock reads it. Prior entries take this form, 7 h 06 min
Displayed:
1 h 44 min
